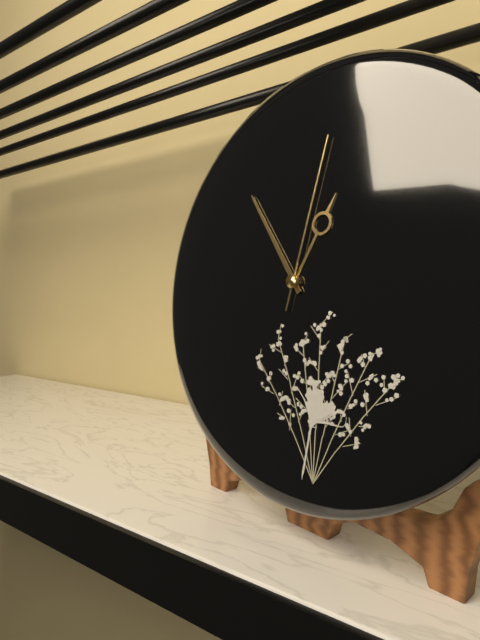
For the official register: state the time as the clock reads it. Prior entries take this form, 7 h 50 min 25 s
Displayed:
12 h 54 min 02 s
